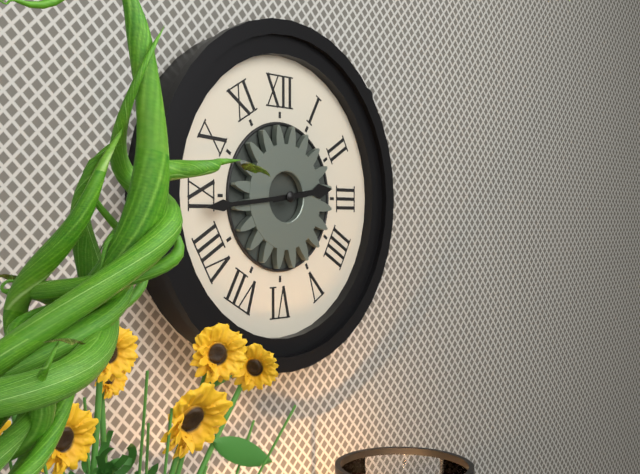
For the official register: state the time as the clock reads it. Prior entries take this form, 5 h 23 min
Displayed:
2 h 44 min
